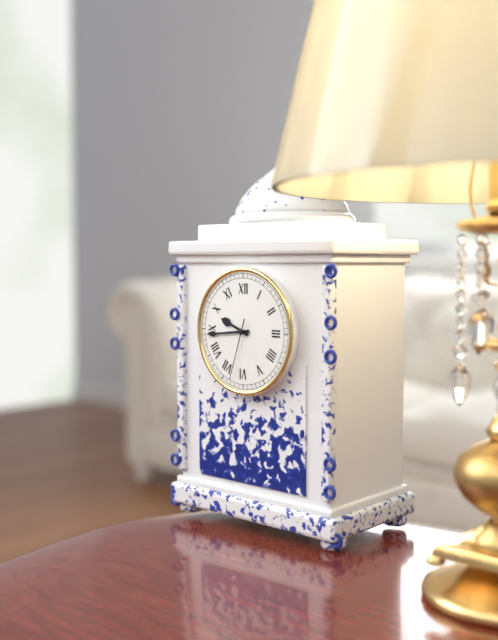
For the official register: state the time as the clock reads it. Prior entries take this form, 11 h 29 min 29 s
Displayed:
9 h 44 min 33 s
